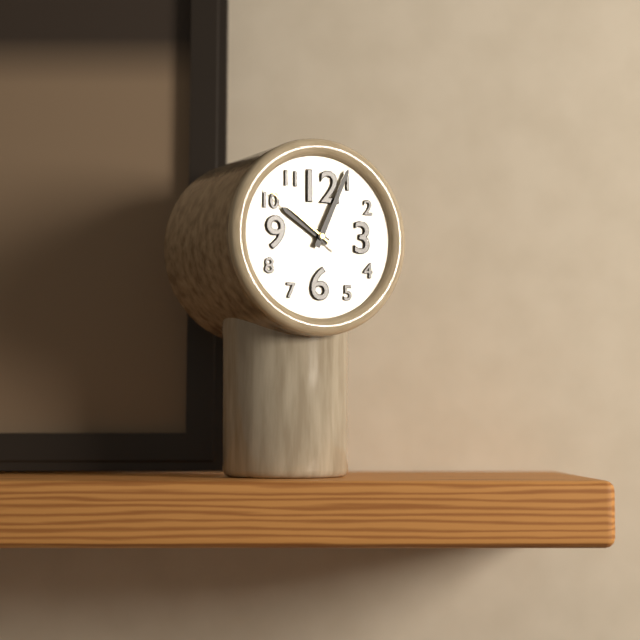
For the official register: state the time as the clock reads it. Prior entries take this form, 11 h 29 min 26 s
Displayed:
10 h 04 min 51 s
